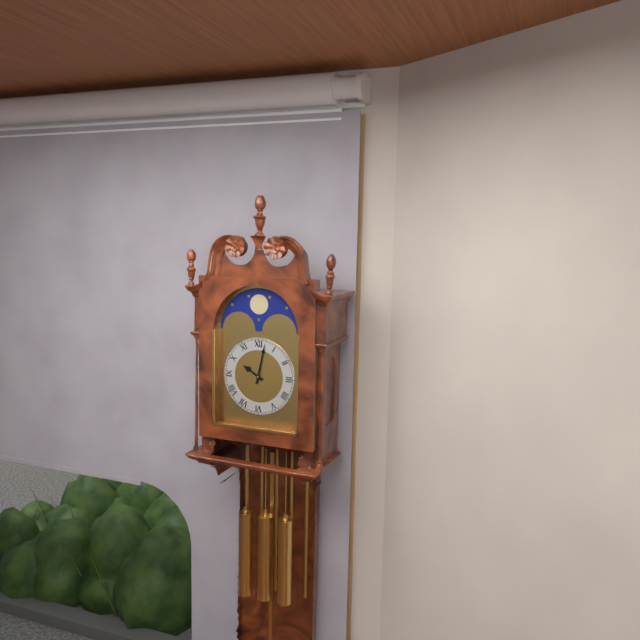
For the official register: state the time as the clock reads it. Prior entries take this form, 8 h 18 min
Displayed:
10 h 02 min
